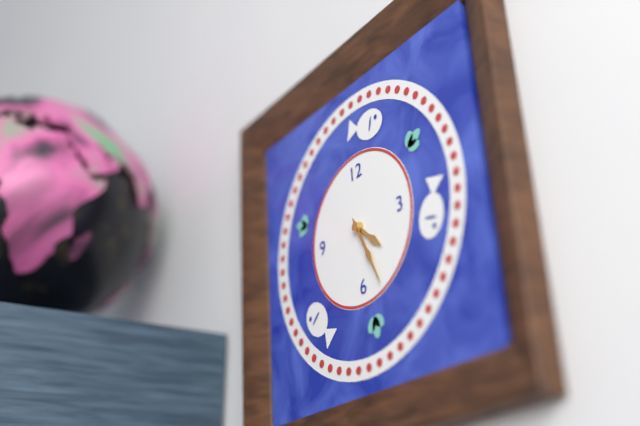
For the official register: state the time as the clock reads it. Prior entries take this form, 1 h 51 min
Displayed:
4 h 26 min
